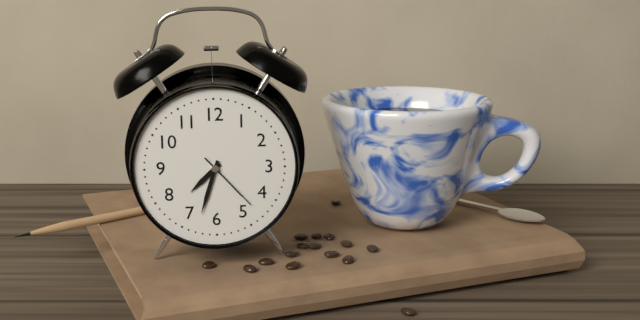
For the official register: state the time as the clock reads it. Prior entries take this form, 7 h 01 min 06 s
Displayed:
7 h 33 min 23 s
